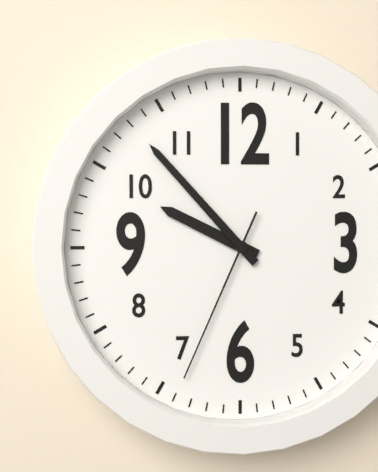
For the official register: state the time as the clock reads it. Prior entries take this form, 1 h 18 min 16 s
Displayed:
9 h 53 min 34 s
